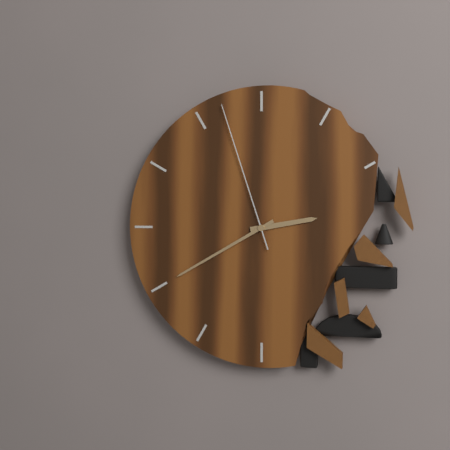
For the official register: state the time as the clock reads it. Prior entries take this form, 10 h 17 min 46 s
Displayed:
2 h 40 min 57 s
